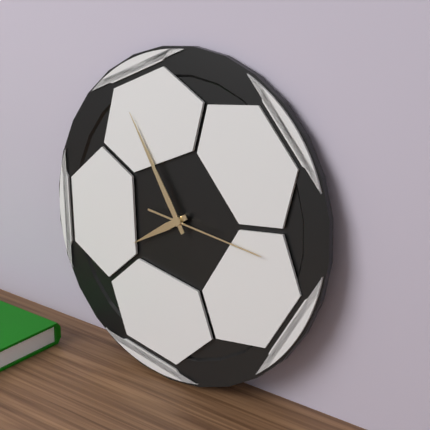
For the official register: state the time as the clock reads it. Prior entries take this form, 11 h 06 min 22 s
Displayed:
7 h 54 min 16 s
